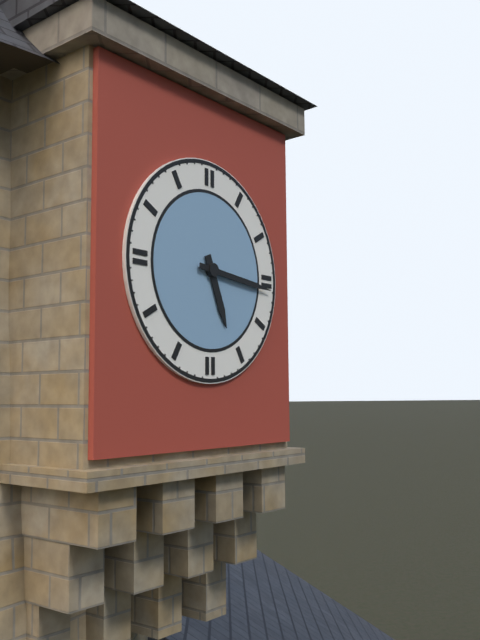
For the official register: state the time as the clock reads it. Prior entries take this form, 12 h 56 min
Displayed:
5 h 16 min
